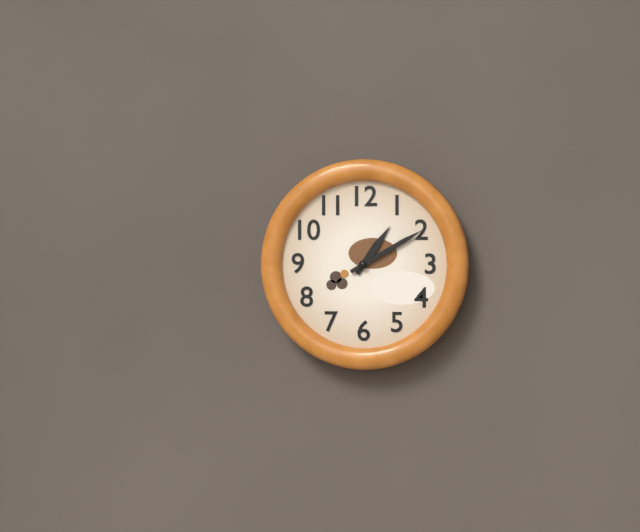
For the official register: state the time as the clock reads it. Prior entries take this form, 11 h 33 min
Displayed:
1 h 10 min
